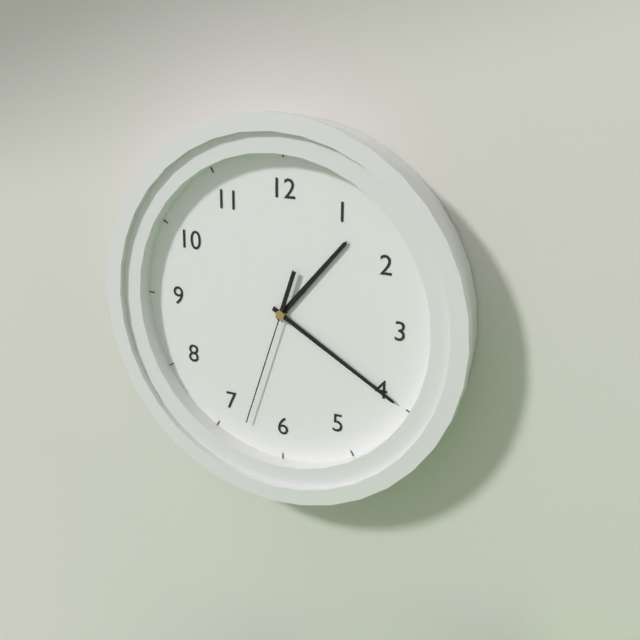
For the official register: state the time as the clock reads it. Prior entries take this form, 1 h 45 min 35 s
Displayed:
1 h 20 min 33 s
